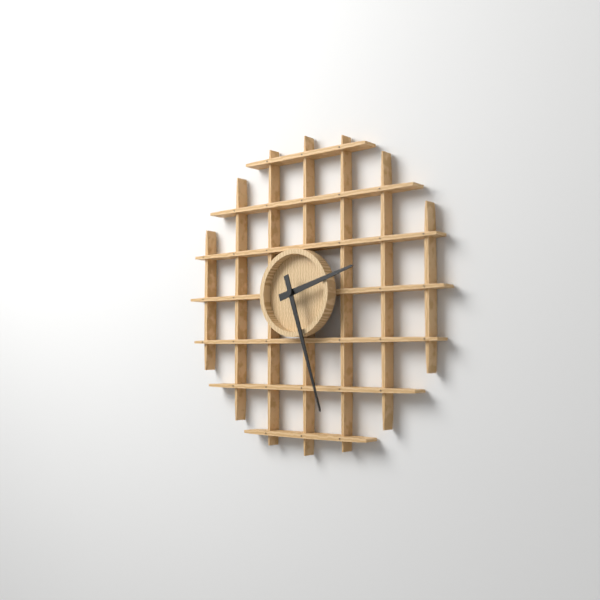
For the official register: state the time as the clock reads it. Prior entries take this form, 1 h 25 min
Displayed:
2 h 27 min
